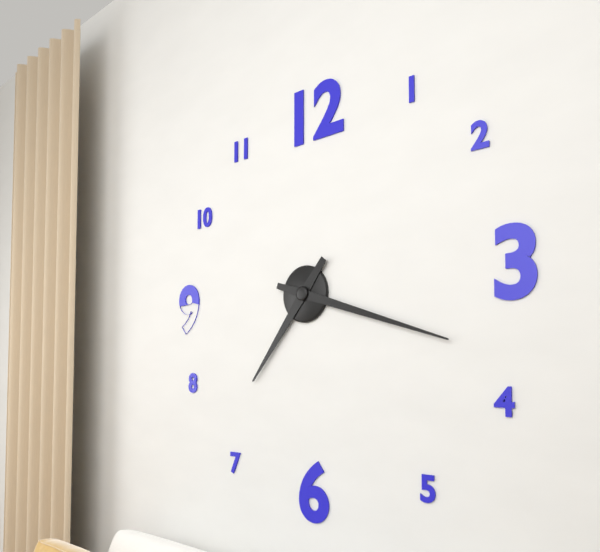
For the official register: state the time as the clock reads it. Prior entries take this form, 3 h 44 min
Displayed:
7 h 18 min
